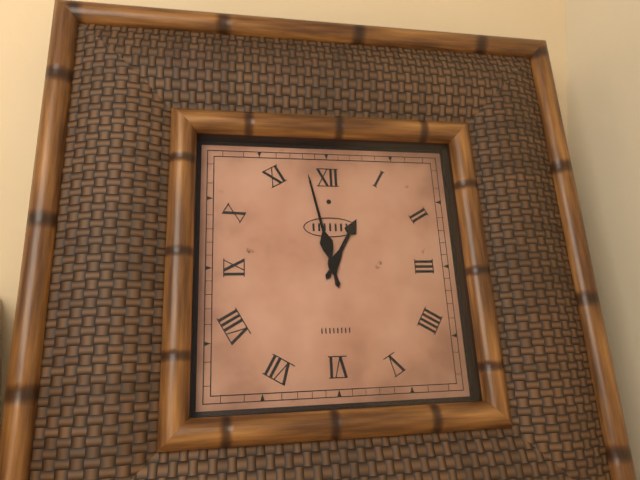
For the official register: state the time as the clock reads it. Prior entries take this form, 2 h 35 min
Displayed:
12 h 58 min
